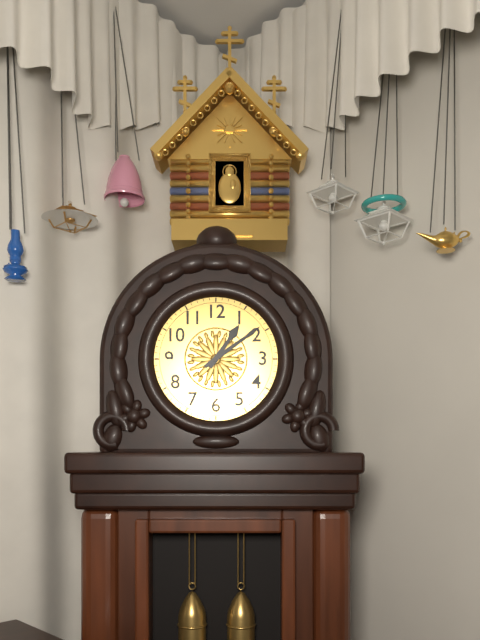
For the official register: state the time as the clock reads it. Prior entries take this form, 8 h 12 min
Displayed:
1 h 09 min
